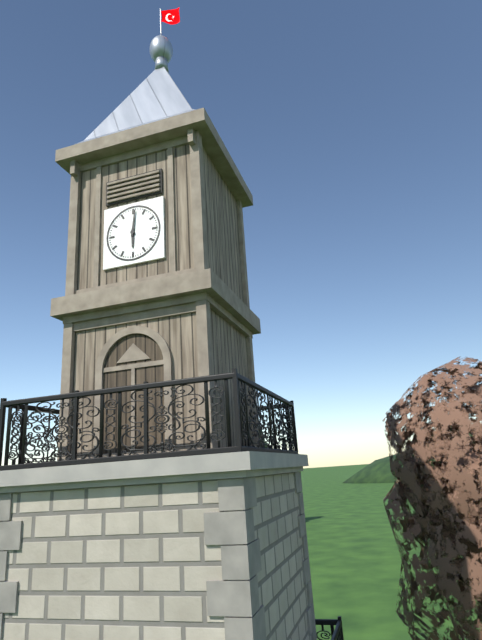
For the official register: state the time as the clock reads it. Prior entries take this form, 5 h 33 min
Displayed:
6 h 01 min
